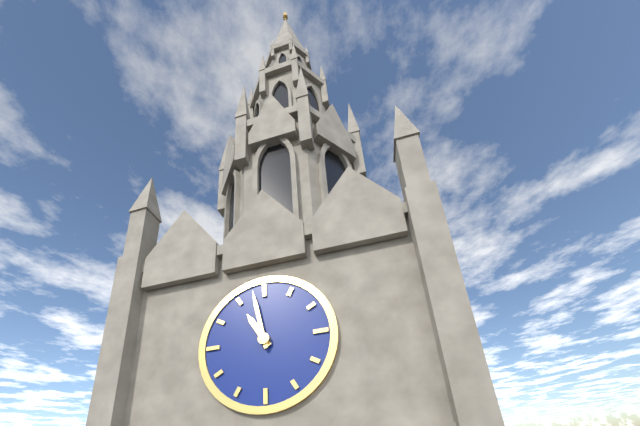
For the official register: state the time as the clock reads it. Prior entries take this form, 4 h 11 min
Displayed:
10 h 58 min
